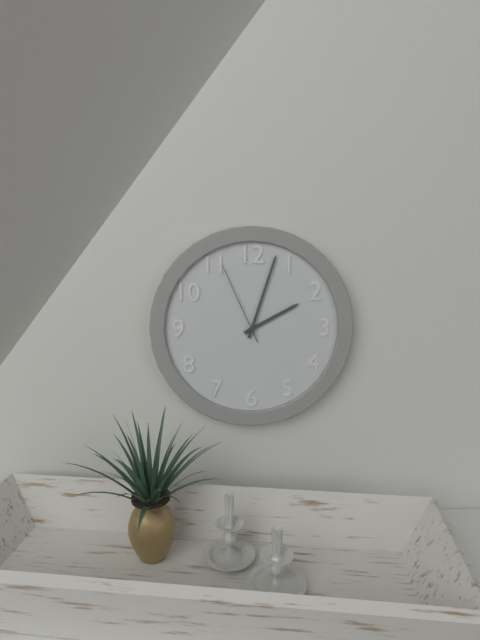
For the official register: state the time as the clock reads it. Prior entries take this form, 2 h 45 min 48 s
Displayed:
2 h 03 min 56 s
